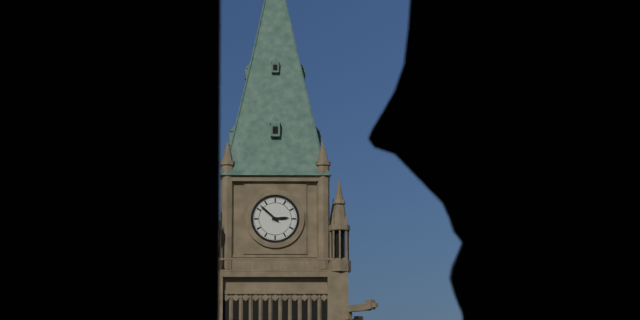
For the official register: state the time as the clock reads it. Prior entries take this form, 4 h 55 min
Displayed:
2 h 52 min
